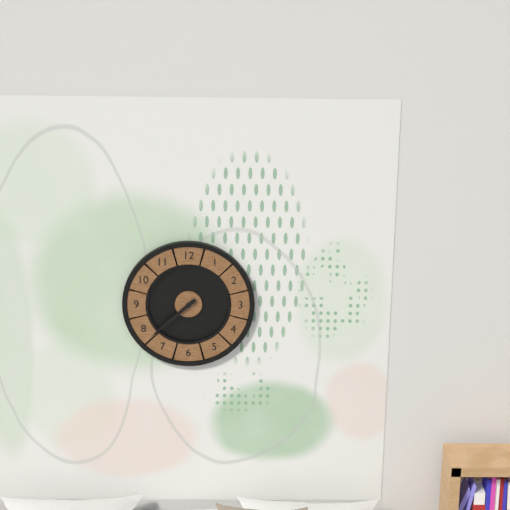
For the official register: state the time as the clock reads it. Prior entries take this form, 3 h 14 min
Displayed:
7 h 38 min
